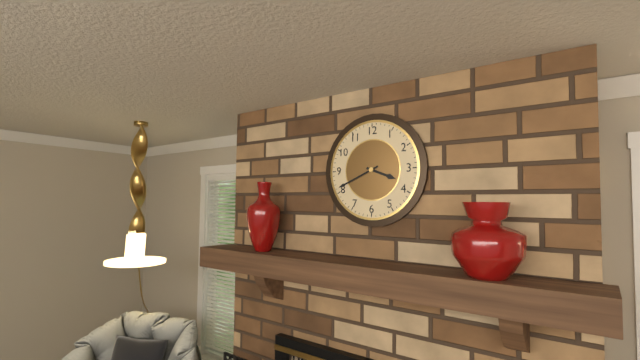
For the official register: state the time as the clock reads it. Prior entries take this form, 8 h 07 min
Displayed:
3 h 41 min
